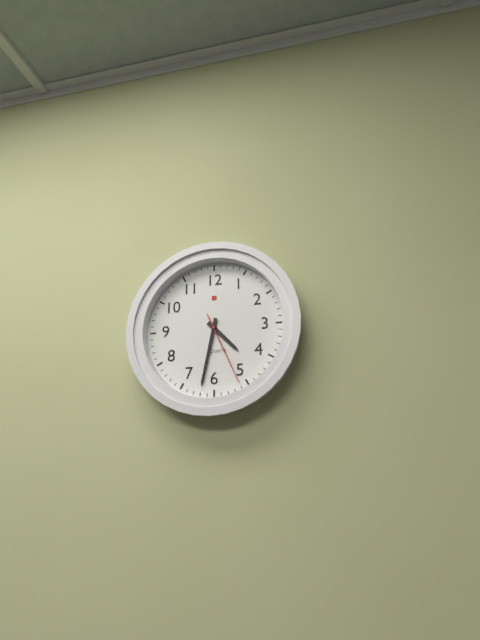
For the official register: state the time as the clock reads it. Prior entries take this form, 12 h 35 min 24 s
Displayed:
4 h 32 min 26 s
